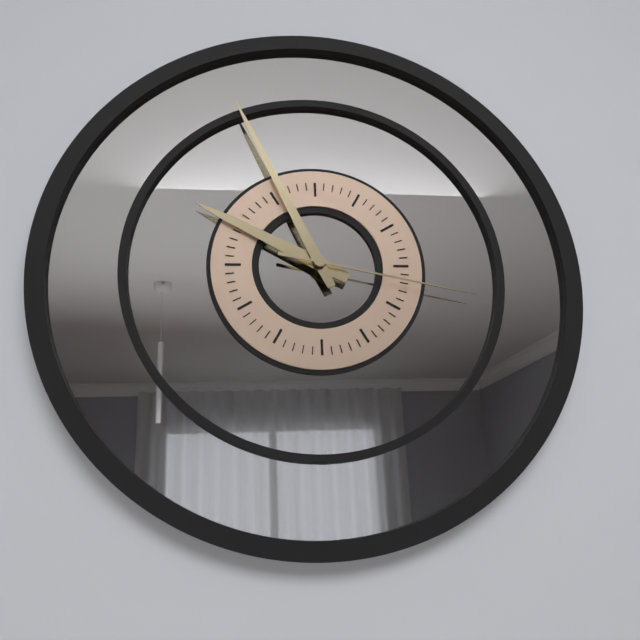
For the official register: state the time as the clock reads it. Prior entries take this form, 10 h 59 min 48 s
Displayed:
9 h 56 min 17 s
